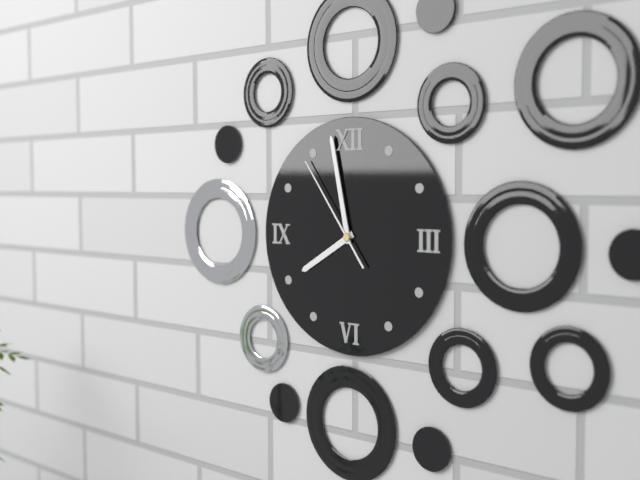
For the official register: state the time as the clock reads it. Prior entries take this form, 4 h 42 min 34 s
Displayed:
7 h 58 min 54 s
